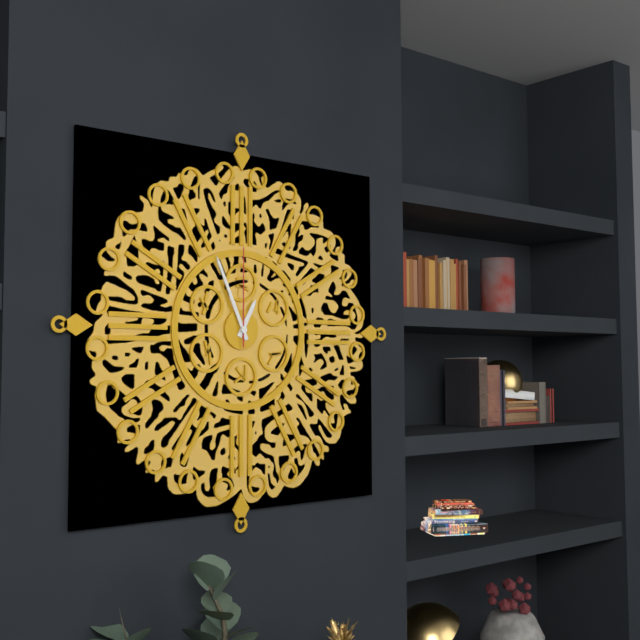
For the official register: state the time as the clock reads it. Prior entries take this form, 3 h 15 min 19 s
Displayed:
12 h 56 min 00 s
